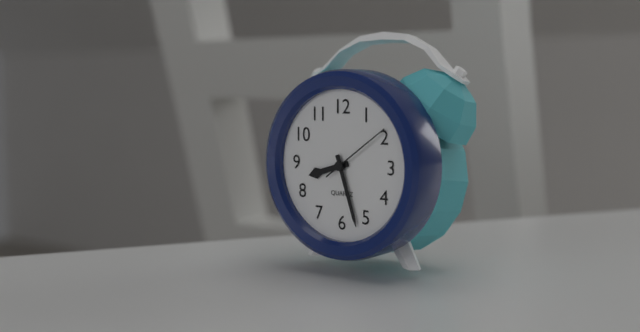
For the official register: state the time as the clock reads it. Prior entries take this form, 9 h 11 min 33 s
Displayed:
8 h 27 min 09 s
